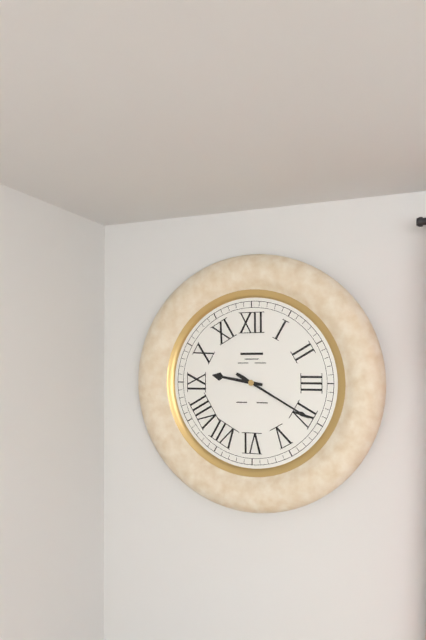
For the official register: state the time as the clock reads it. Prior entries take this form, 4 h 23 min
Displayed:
9 h 20 min
